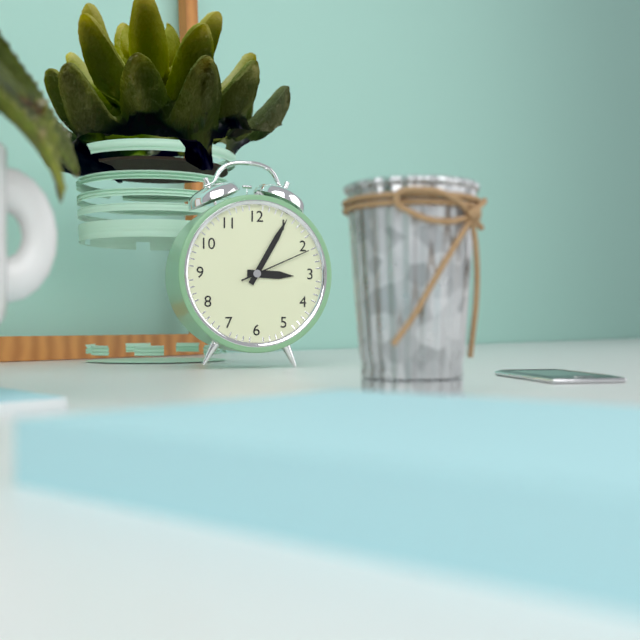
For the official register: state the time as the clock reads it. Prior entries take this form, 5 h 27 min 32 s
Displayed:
3 h 05 min 11 s
